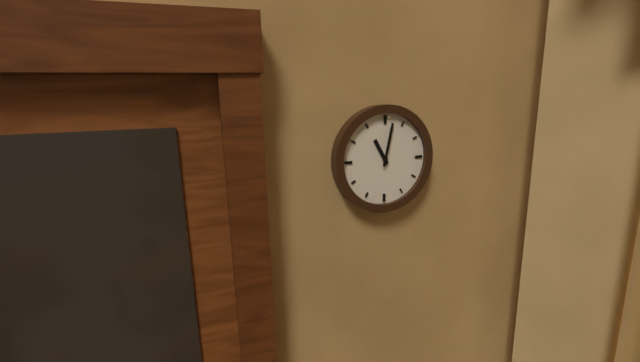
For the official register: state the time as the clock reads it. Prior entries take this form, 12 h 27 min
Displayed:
11 h 02 min
